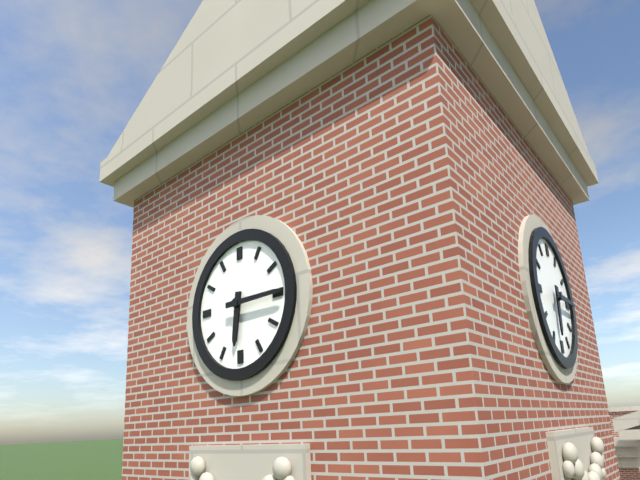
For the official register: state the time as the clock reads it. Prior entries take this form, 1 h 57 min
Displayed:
6 h 15 min
